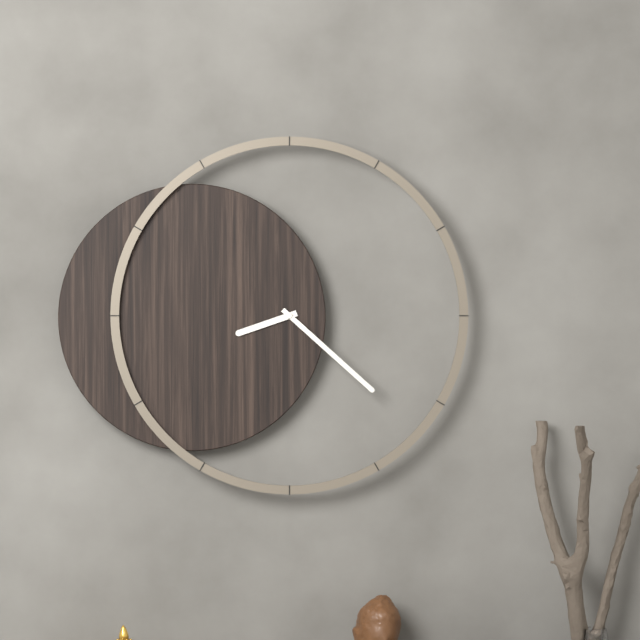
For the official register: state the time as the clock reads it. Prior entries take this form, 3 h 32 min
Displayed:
8 h 22 min
